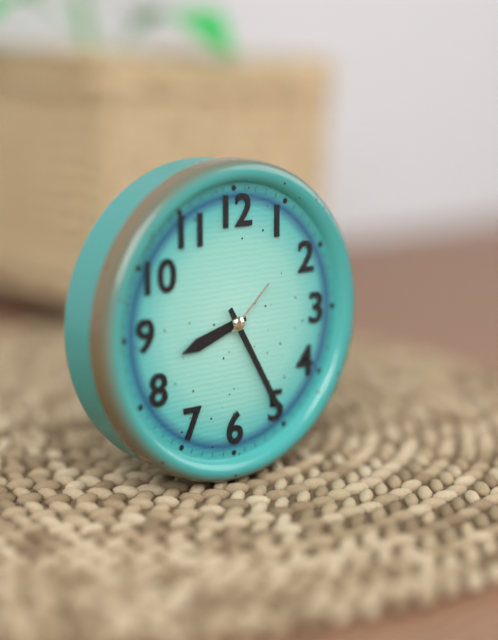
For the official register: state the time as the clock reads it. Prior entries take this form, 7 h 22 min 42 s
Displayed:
8 h 25 min 08 s
